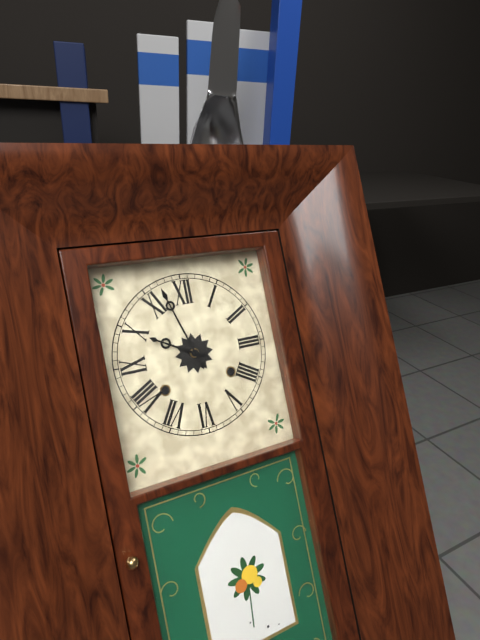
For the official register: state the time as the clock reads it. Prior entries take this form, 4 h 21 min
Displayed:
9 h 57 min
